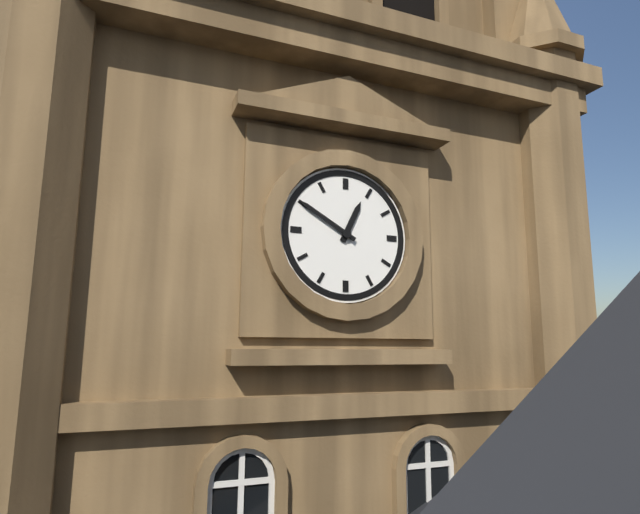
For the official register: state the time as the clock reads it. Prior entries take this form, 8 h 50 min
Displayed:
12 h 50 min
